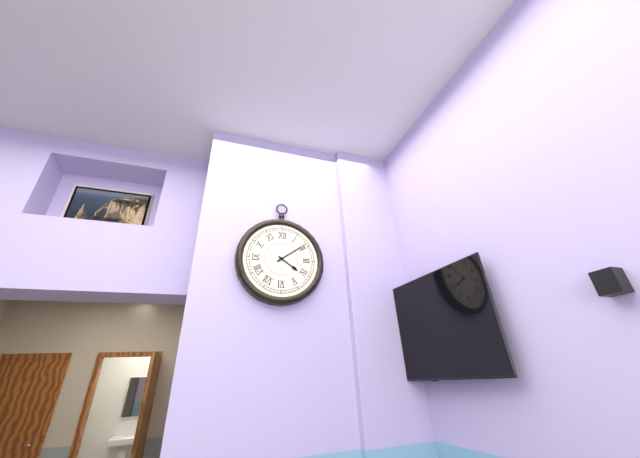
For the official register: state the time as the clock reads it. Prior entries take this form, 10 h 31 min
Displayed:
4 h 09 min
